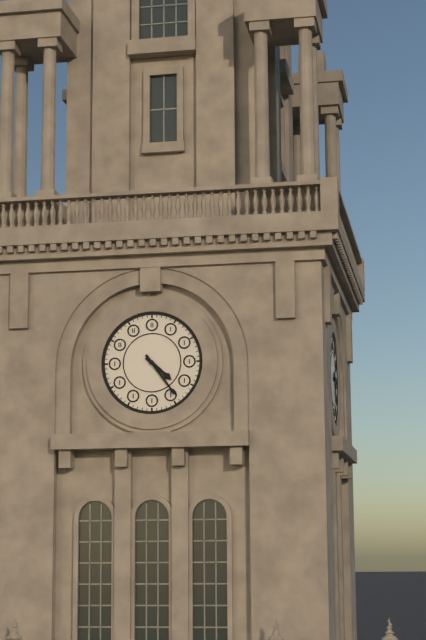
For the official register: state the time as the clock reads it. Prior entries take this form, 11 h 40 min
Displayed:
4 h 24 min
